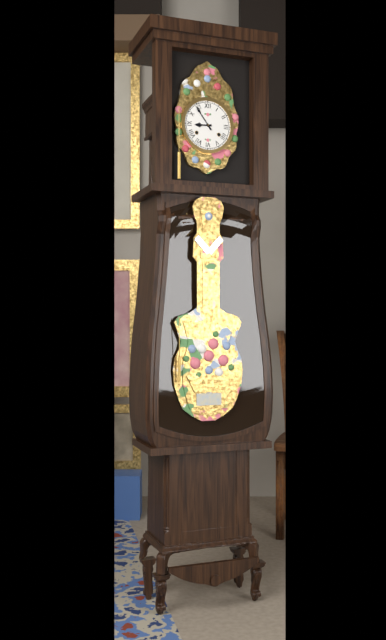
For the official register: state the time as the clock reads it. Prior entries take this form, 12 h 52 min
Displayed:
8 h 54 min
